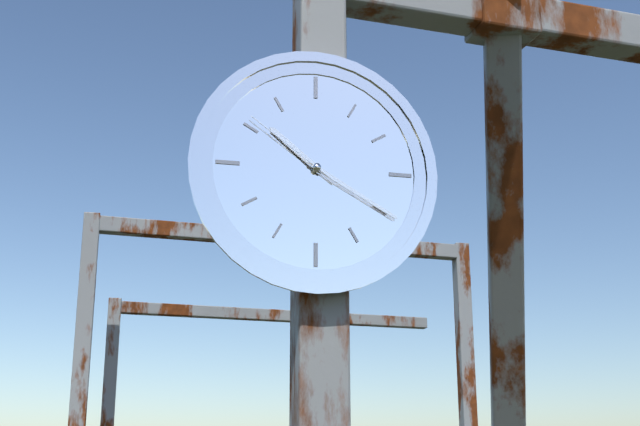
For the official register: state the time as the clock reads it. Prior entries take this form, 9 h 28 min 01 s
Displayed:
10 h 20 min 51 s
